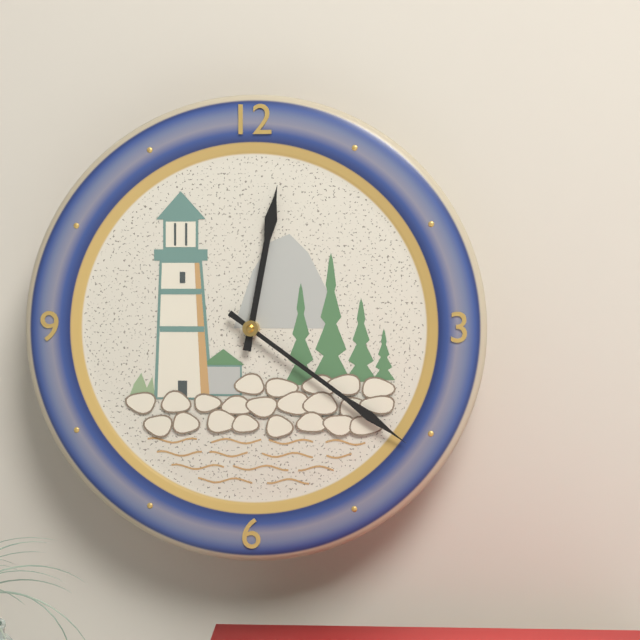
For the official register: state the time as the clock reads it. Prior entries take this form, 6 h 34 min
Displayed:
12 h 21 min
